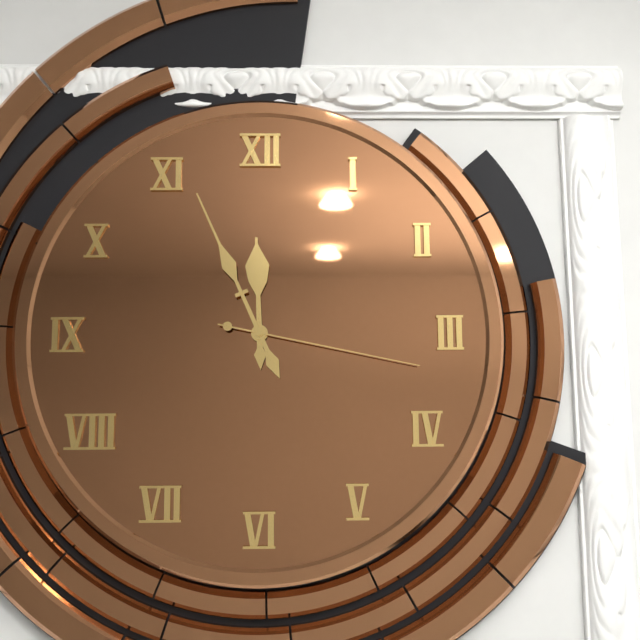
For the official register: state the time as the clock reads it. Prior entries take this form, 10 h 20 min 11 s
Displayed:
11 h 56 min 17 s
